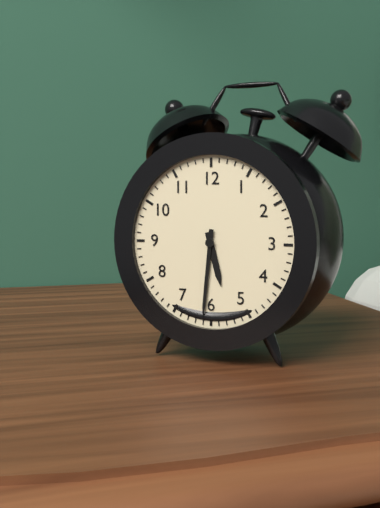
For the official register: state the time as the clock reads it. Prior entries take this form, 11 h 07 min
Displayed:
5 h 31 min
